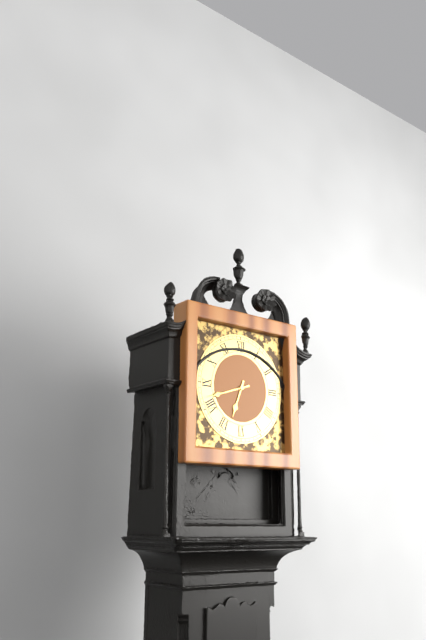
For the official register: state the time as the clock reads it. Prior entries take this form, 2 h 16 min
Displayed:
6 h 42 min
